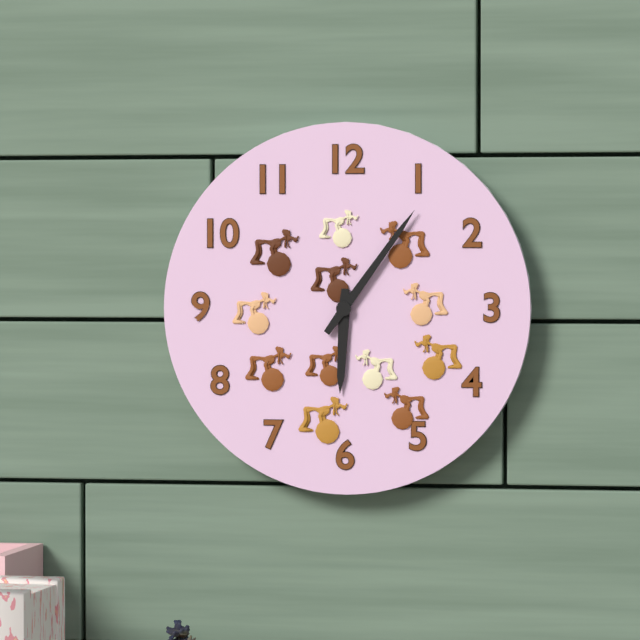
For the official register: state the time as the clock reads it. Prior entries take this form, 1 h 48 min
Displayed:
6 h 06 min
